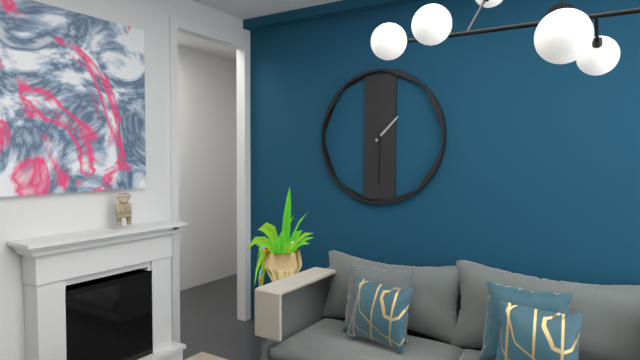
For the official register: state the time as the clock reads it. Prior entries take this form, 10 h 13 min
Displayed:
1 h 30 min
